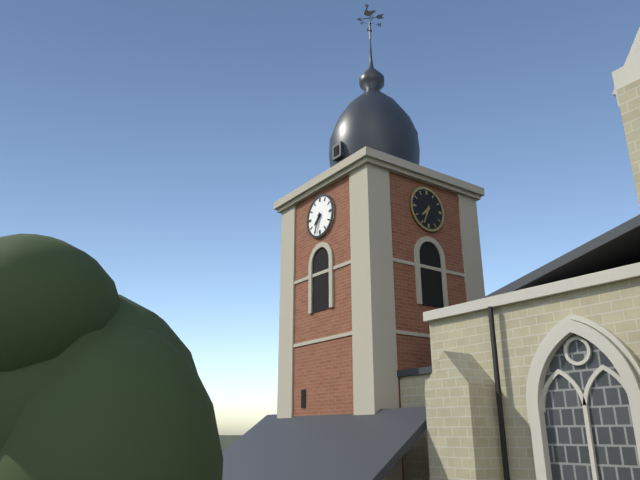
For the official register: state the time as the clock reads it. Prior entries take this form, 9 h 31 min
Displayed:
7 h 34 min
